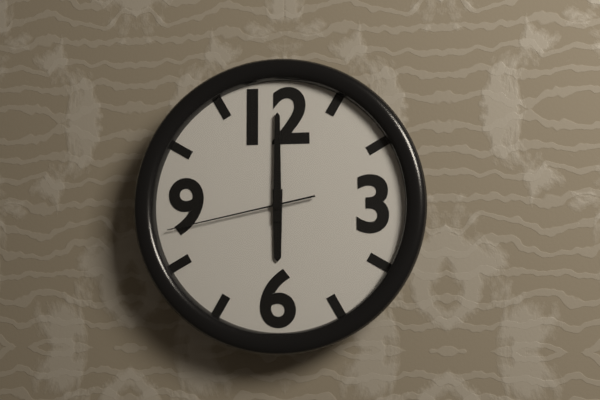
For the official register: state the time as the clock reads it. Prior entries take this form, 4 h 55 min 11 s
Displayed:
6 h 00 min 43 s
